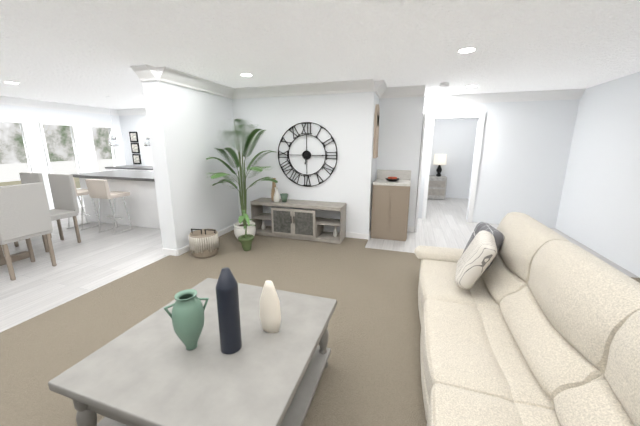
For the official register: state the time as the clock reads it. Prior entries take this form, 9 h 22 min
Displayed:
6 h 15 min
